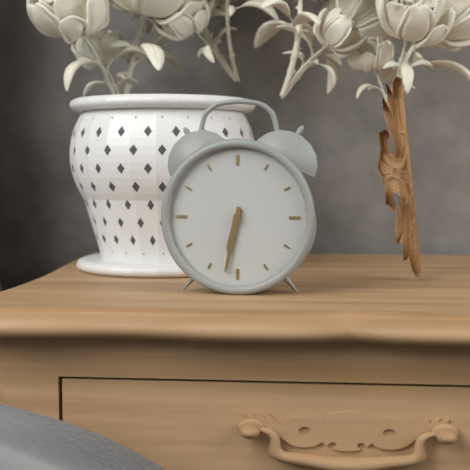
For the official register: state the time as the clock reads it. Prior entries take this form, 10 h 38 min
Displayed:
6 h 32 min
